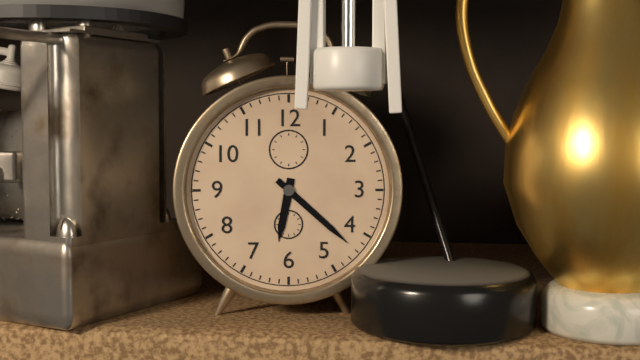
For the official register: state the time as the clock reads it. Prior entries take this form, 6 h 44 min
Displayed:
6 h 22 min
